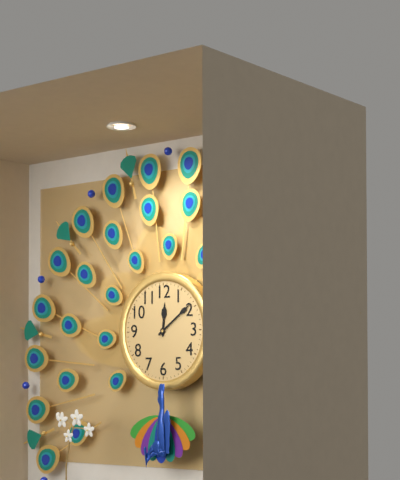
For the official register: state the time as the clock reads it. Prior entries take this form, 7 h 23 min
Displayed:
12 h 09 min
